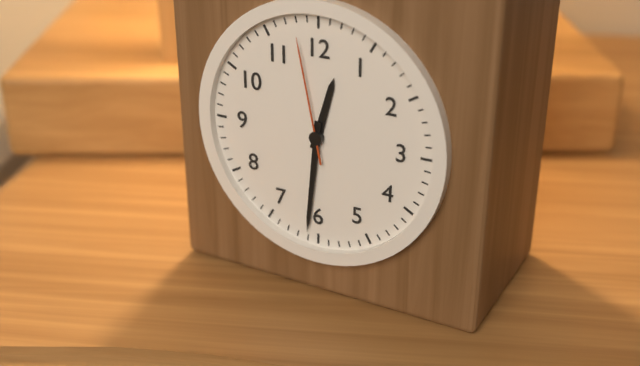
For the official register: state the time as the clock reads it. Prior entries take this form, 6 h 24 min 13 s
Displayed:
12 h 31 min 58 s
